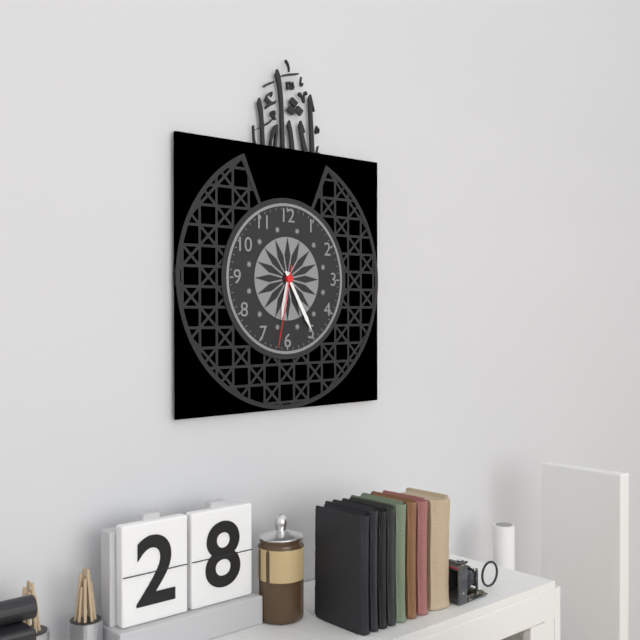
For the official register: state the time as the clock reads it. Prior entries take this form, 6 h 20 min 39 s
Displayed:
6 h 25 min 32 s
